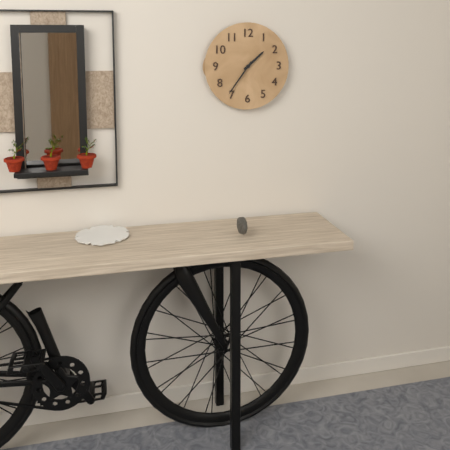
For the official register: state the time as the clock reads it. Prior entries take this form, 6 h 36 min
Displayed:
1 h 36 min
